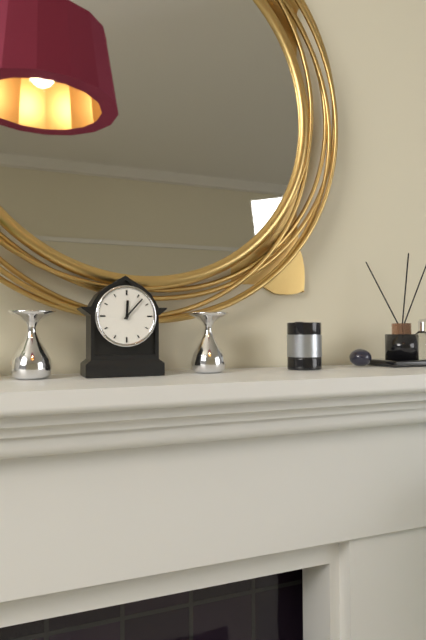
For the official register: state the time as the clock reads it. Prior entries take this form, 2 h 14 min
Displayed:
12 h 07 min
